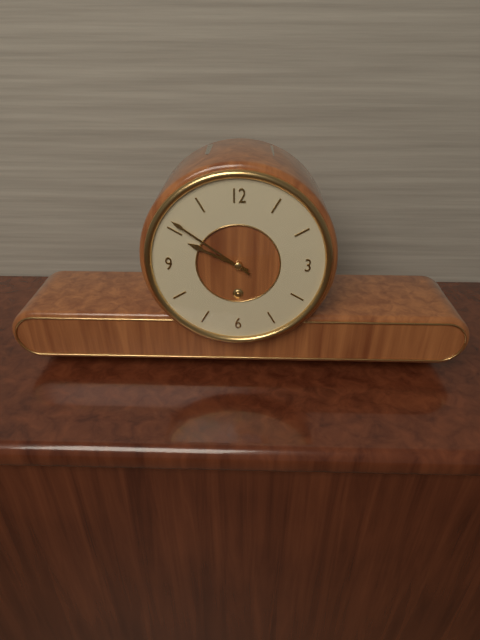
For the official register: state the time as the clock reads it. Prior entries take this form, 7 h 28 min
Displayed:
9 h 51 min
